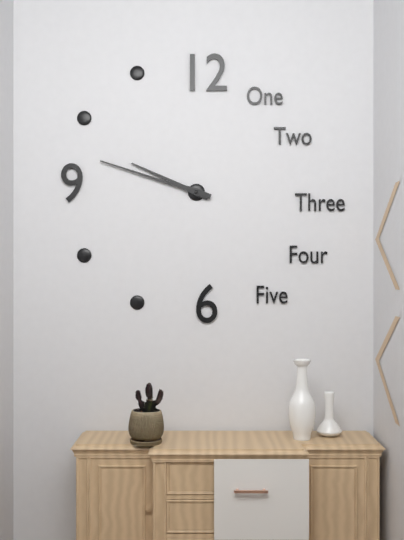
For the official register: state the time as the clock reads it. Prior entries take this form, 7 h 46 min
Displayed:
9 h 48 min
